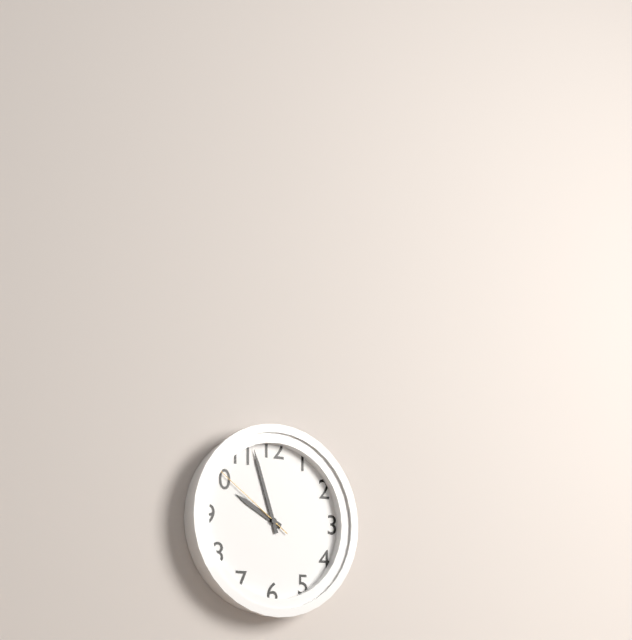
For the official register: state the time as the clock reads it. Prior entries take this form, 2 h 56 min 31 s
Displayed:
9 h 57 min 51 s
